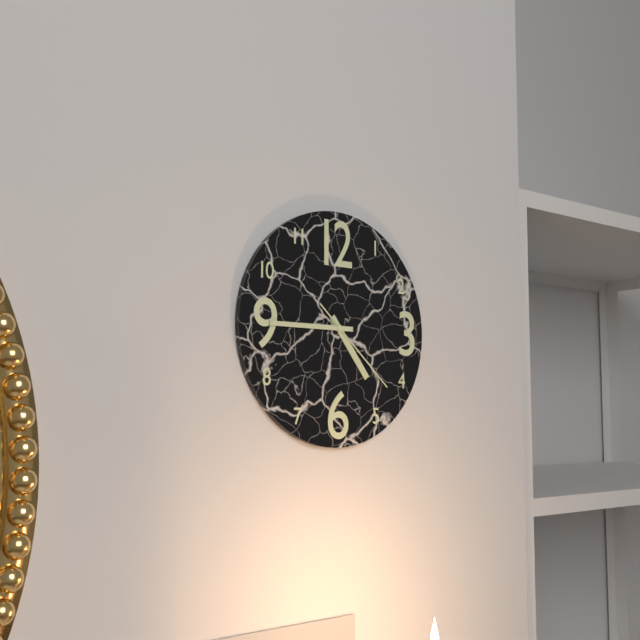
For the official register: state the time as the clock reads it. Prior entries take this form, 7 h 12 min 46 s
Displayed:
4 h 45 min 22 s
